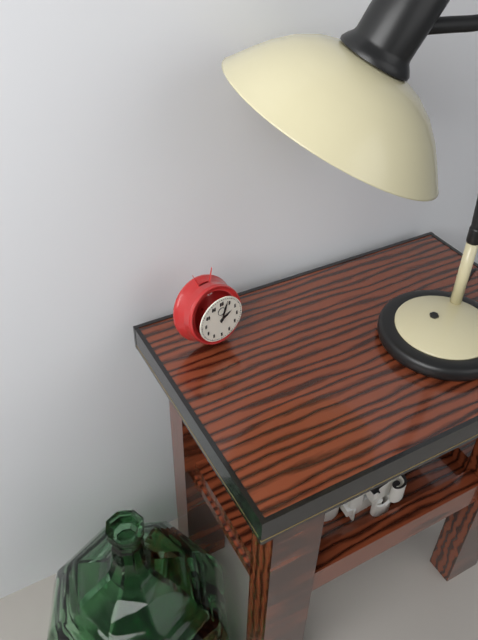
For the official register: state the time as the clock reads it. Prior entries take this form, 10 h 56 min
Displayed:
2 h 03 min
